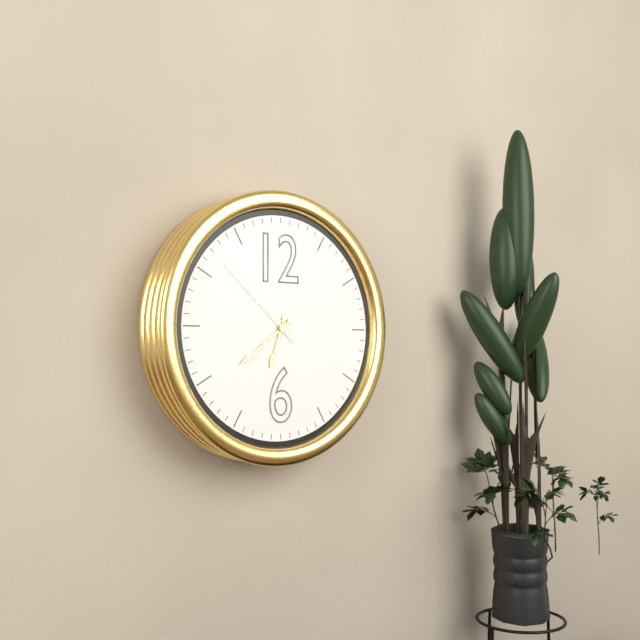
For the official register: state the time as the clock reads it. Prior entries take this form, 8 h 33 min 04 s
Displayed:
6 h 39 min 52 s
